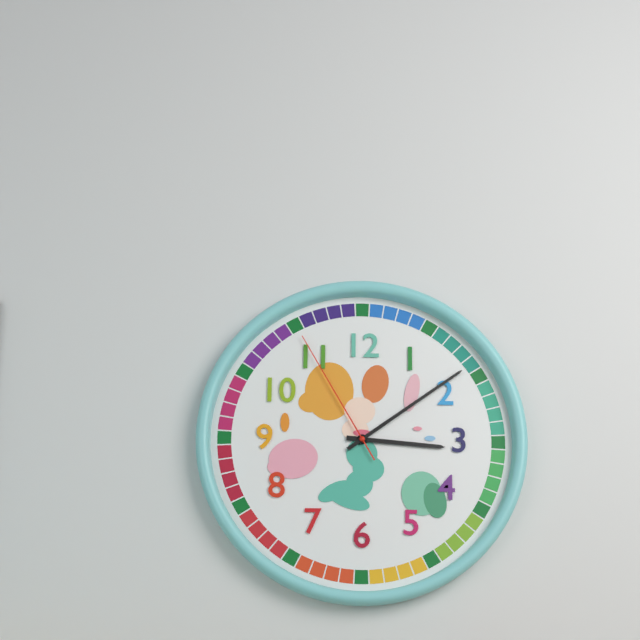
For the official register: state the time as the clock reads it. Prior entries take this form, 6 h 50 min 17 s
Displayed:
3 h 09 min 55 s
